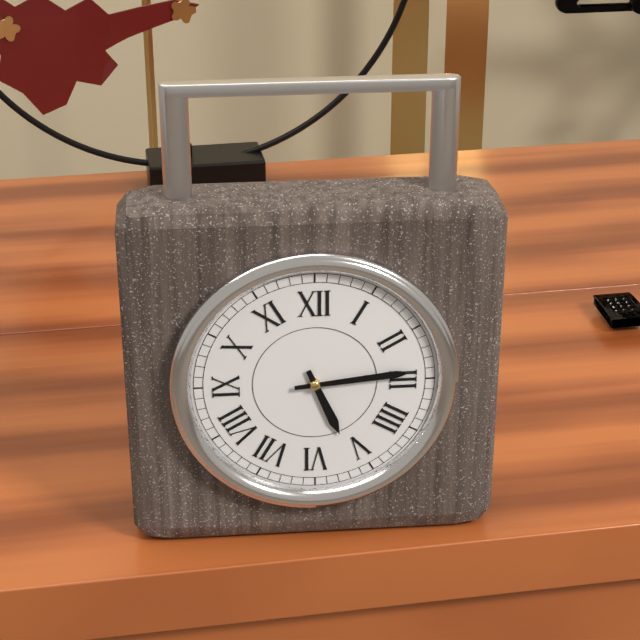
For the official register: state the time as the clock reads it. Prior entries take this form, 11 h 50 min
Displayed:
5 h 14 min
